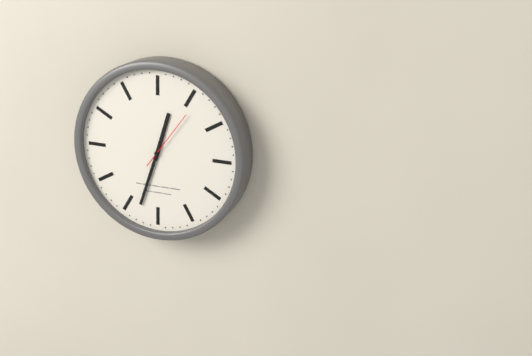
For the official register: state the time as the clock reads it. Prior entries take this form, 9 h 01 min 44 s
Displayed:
12 h 33 min 06 s
